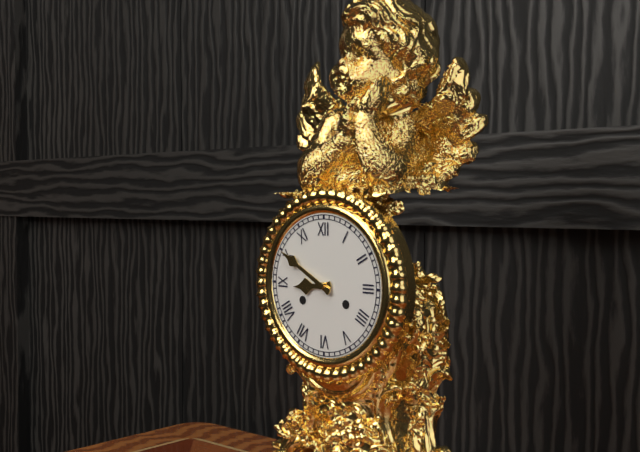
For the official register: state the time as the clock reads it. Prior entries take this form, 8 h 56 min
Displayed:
8 h 50 min
